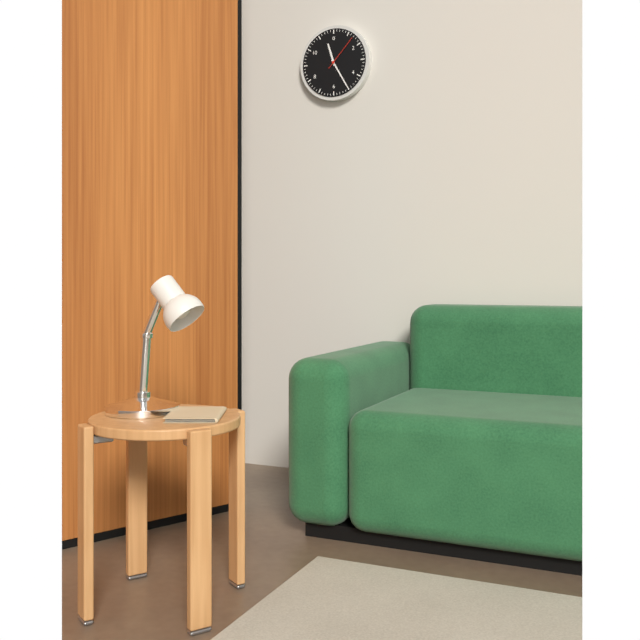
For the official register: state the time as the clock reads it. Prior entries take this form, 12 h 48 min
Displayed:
11 h 25 min
